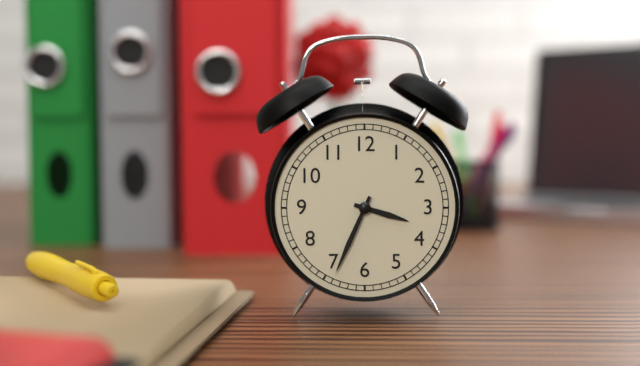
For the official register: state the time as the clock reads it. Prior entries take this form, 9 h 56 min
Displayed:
3 h 34 min
